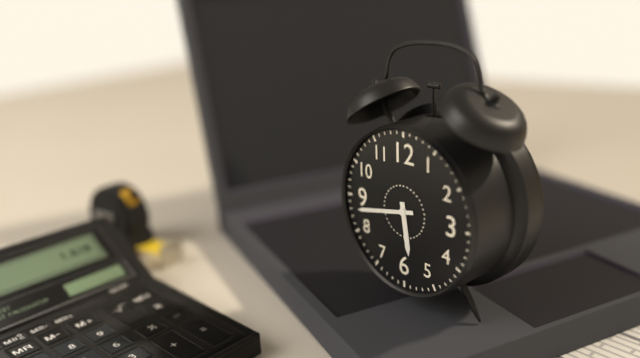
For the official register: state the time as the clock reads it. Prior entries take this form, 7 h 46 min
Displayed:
5 h 43 min
